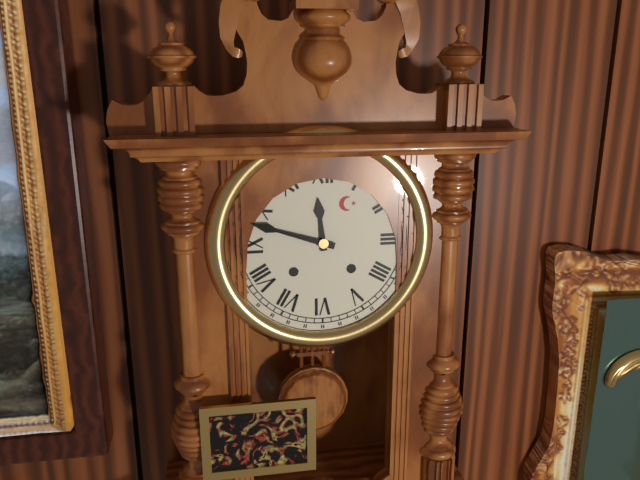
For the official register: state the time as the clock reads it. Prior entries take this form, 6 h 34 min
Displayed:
11 h 48 min
